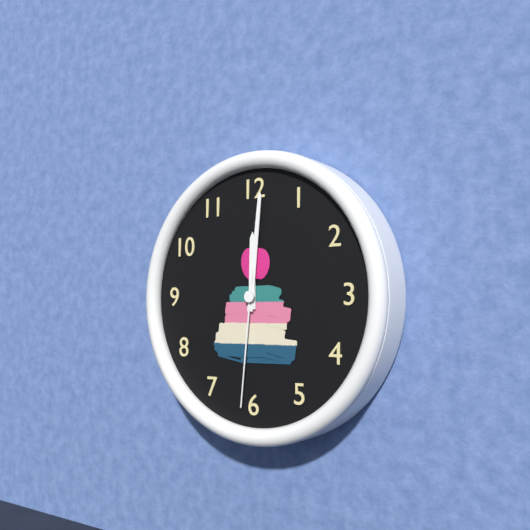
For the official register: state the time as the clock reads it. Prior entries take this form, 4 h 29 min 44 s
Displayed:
12 h 01 min 31 s
